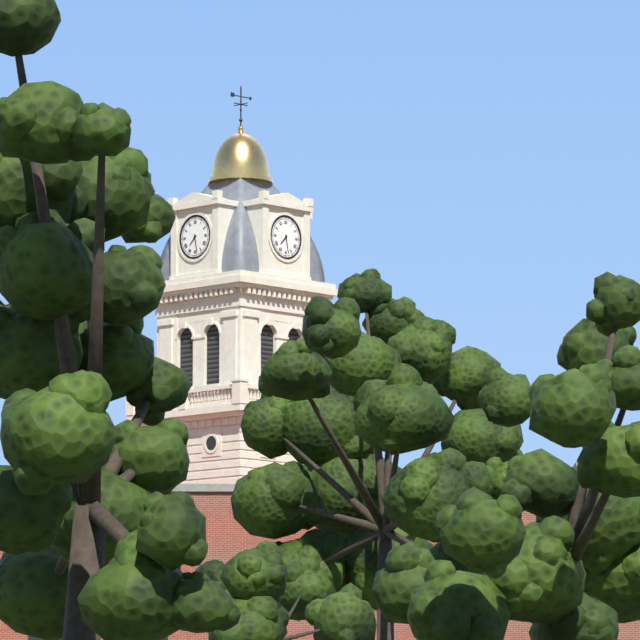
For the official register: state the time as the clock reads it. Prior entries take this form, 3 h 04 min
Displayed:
7 h 28 min
